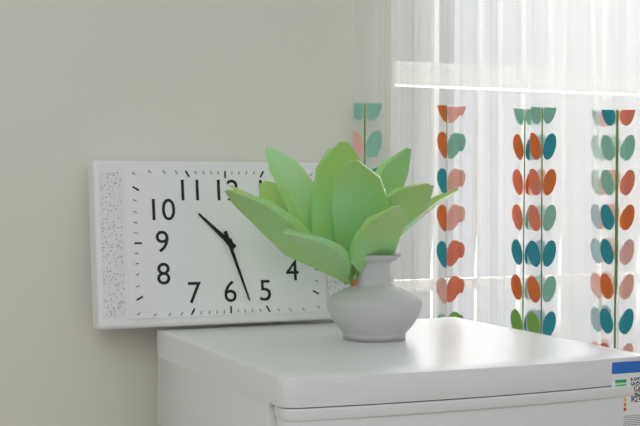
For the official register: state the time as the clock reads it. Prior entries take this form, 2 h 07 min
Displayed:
10 h 27 min
